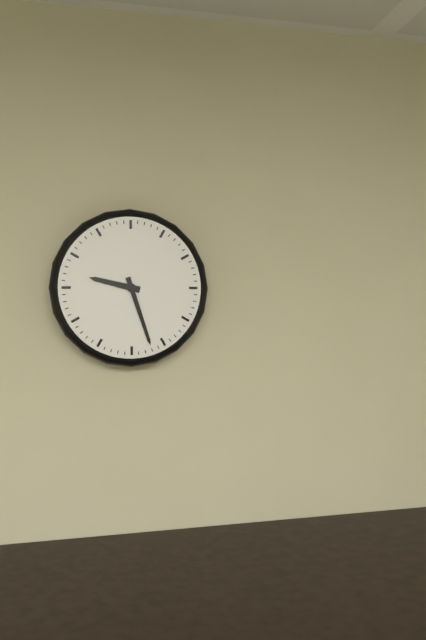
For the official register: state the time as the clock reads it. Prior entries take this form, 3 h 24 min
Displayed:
9 h 27 min
